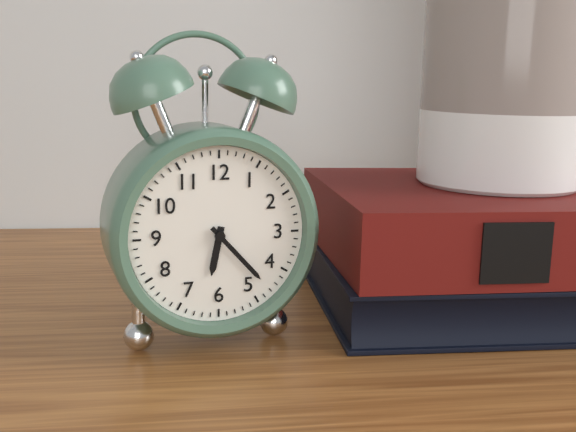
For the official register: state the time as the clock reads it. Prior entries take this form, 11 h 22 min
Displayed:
6 h 23 min
